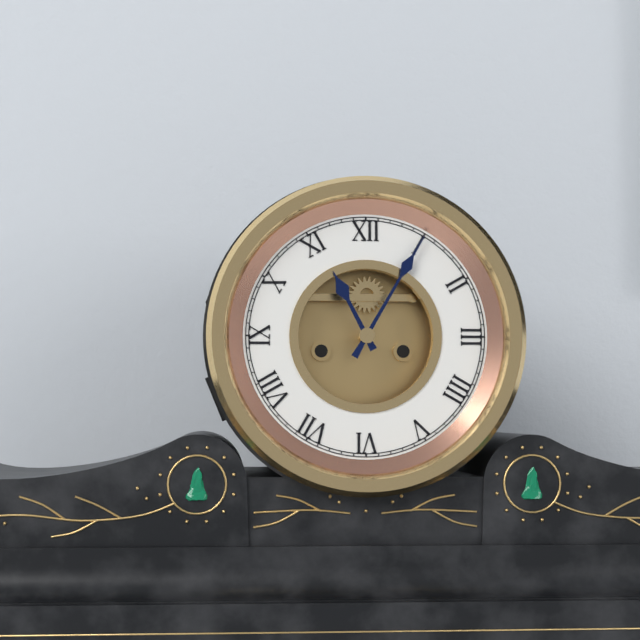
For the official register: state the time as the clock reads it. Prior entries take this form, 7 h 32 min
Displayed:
11 h 05 min
